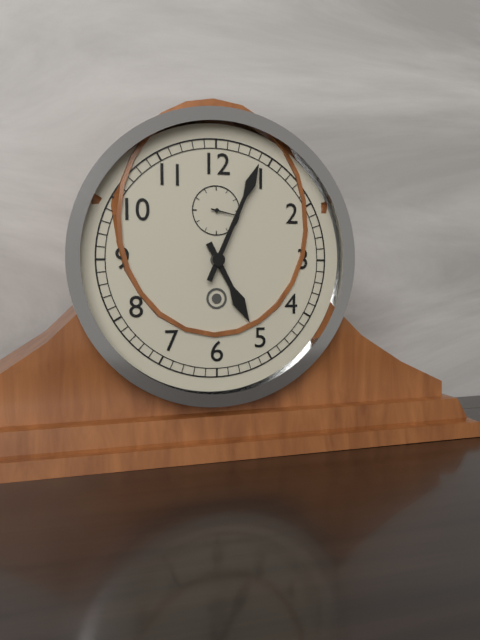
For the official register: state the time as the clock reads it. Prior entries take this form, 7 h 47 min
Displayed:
5 h 04 min
